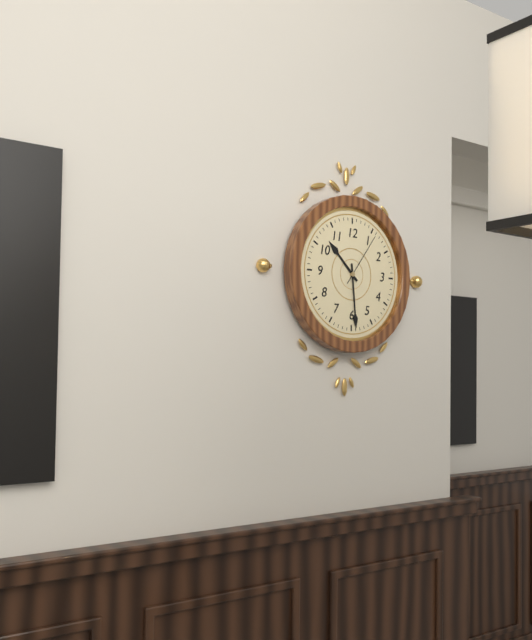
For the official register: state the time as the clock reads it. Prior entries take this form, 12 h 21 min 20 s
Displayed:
10 h 29 min 06 s
